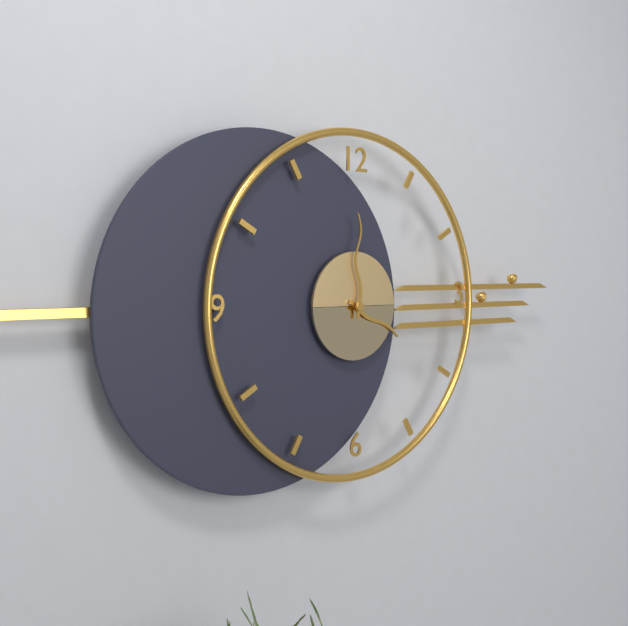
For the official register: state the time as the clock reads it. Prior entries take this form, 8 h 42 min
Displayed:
4 h 00 min
